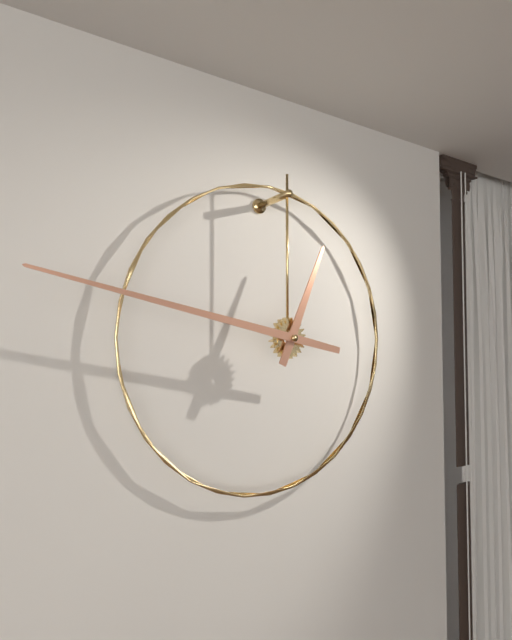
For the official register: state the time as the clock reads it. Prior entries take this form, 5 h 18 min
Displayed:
12 h 47 min
